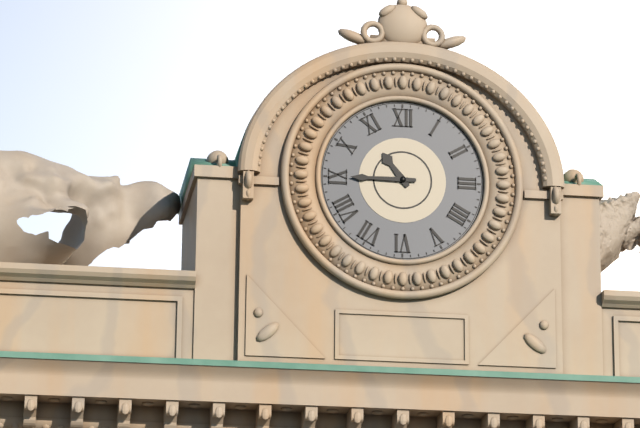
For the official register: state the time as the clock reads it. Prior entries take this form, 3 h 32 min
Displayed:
10 h 45 min
